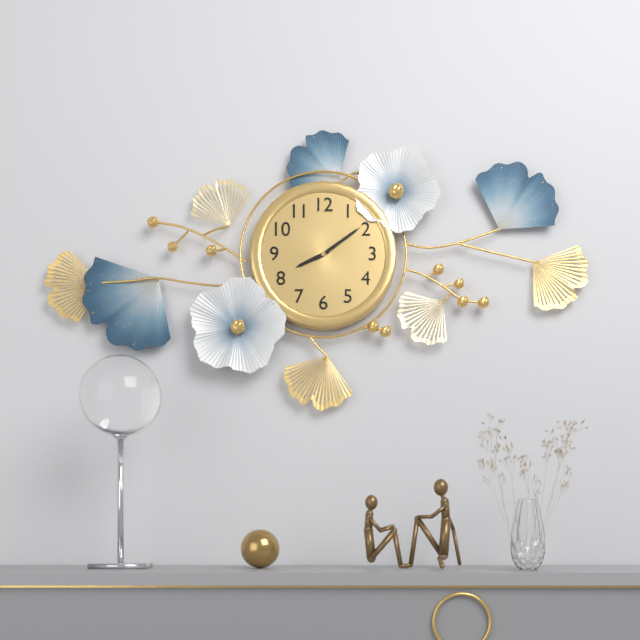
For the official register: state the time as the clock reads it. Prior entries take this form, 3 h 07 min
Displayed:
8 h 09 min
